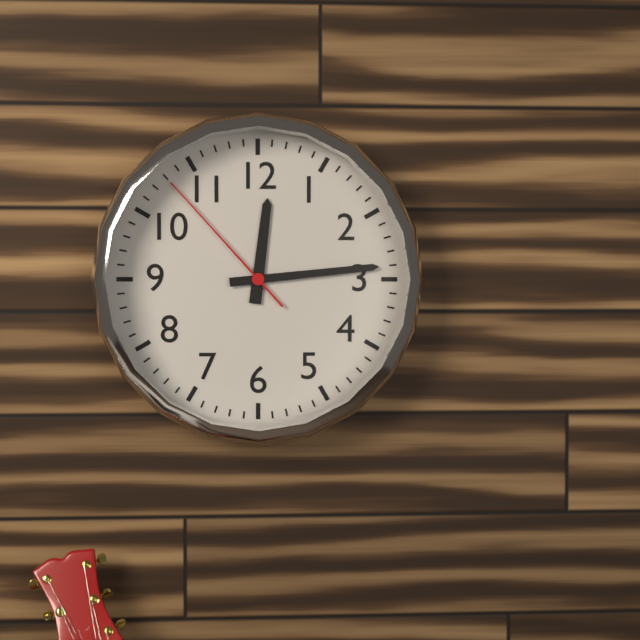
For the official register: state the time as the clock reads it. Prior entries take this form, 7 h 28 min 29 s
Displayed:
12 h 14 min 53 s
